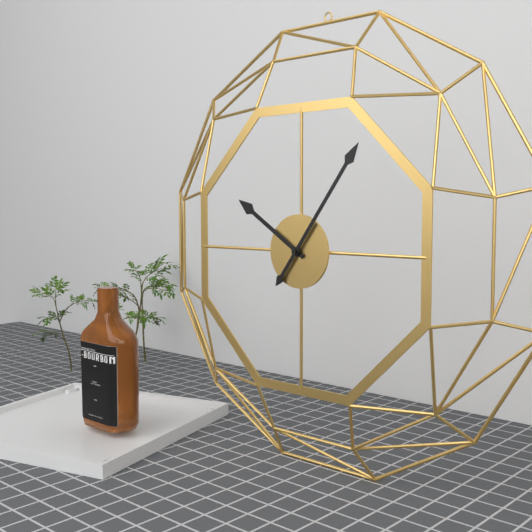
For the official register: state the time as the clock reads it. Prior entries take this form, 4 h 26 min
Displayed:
10 h 06 min
